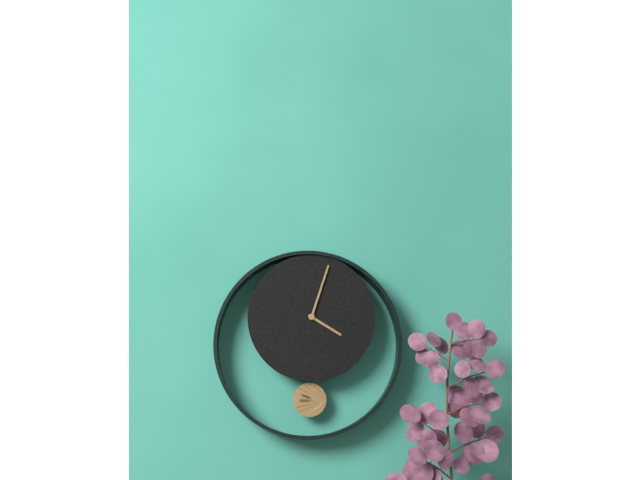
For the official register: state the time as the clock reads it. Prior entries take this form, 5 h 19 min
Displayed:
4 h 03 min
